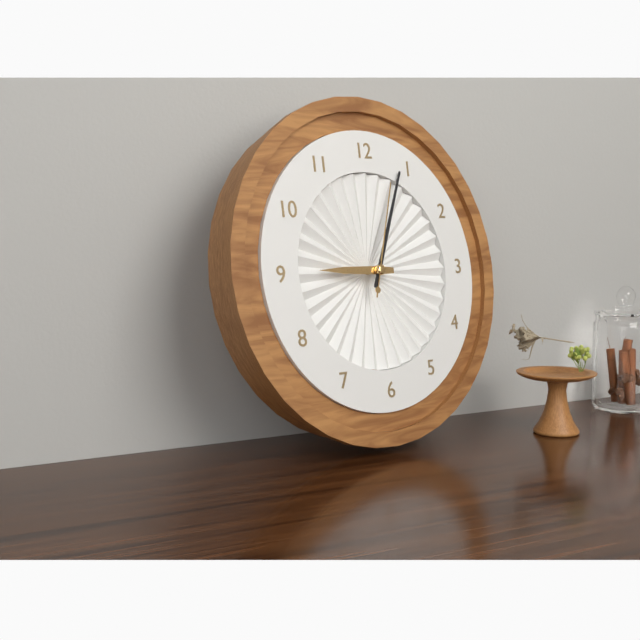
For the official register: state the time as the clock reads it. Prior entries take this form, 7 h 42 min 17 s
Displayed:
9 h 04 min 03 s
